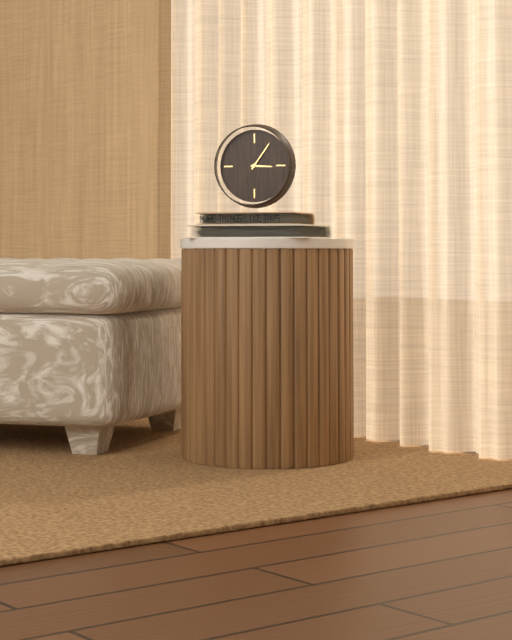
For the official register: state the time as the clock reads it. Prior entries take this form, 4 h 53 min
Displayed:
3 h 06 min
